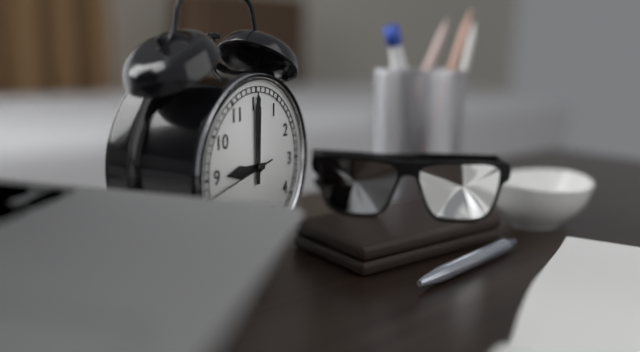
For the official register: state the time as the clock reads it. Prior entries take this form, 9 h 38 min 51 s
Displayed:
9 h 00 min 43 s
